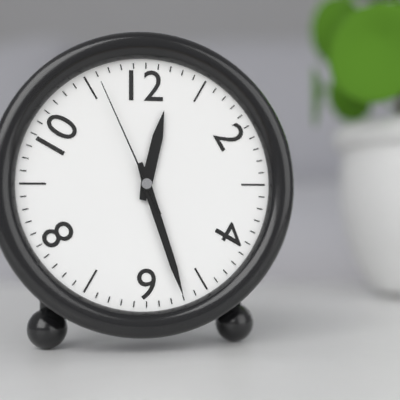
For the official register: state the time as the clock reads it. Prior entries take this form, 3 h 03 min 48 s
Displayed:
12 h 27 min 56 s
